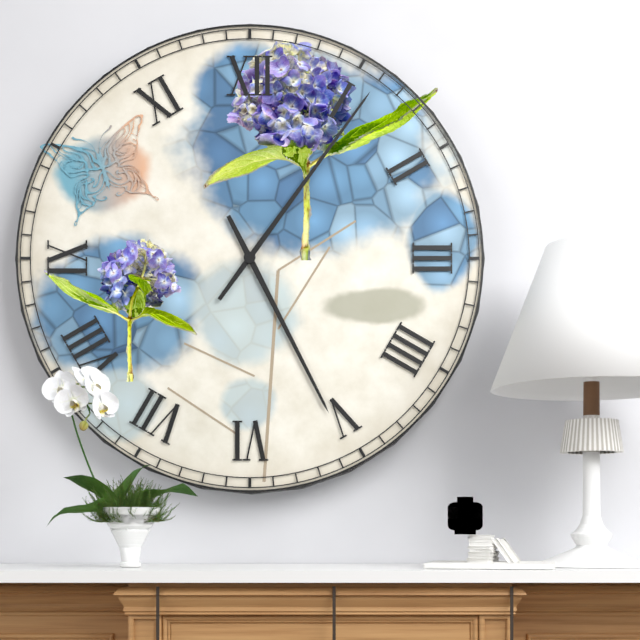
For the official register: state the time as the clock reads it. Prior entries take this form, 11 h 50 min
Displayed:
5 h 06 min
